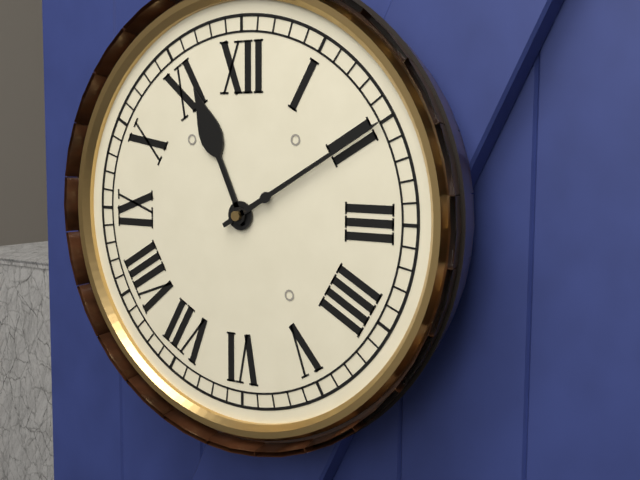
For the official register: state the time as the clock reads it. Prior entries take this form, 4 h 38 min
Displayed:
11 h 10 min
